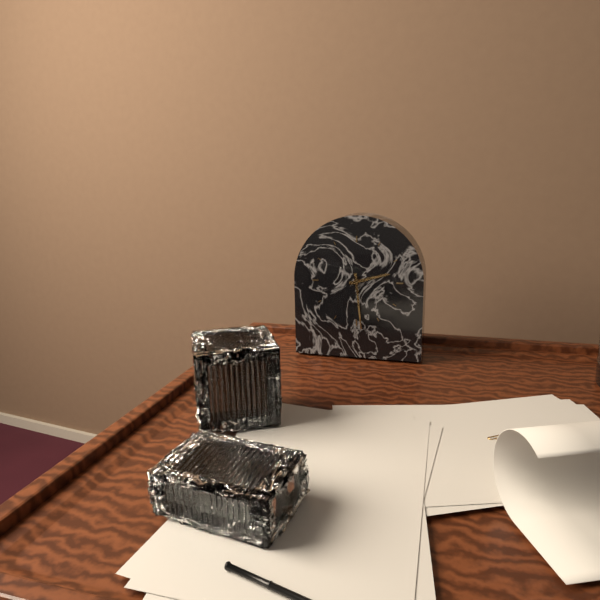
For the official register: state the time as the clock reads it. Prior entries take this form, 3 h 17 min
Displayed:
2 h 29 min
